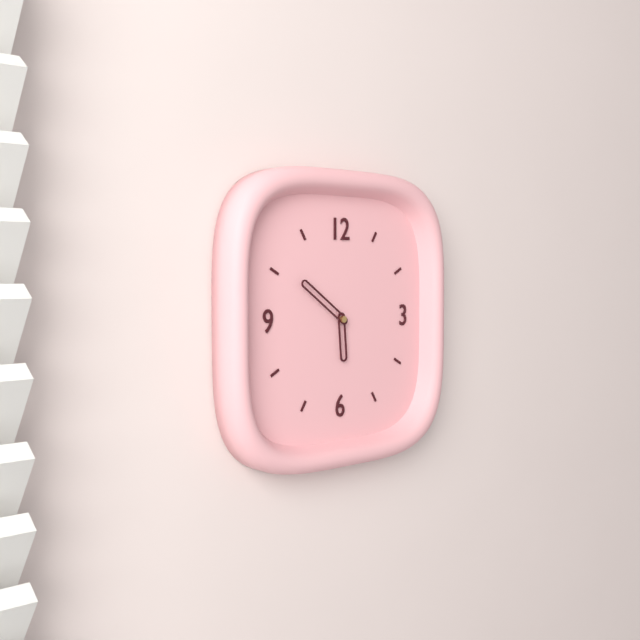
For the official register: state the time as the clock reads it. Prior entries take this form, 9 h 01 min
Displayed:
5 h 51 min
